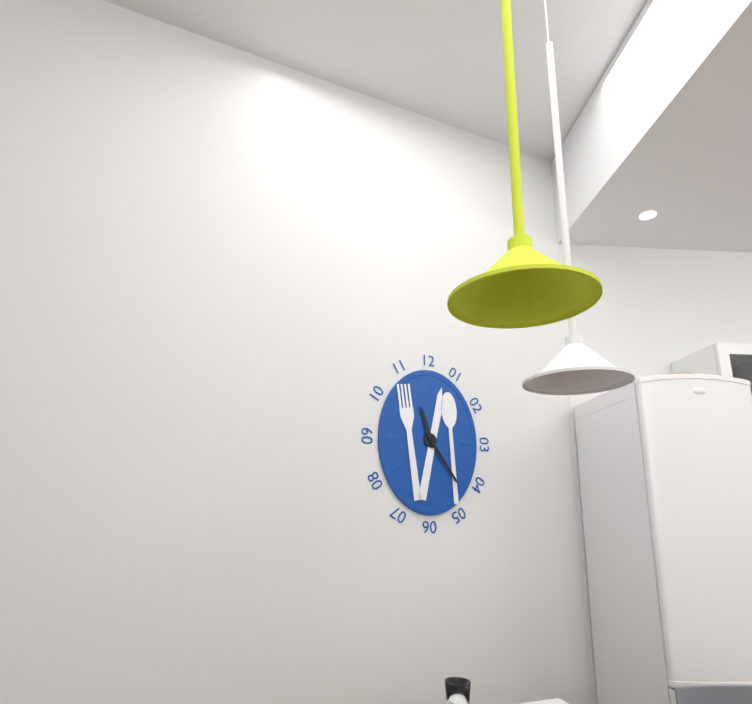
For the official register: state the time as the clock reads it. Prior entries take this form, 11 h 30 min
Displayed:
11 h 24 min
